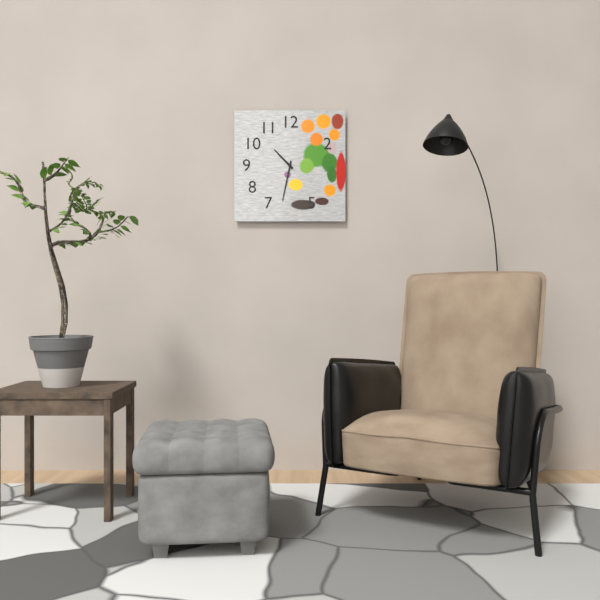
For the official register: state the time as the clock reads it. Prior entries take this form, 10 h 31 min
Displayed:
10 h 32 min
